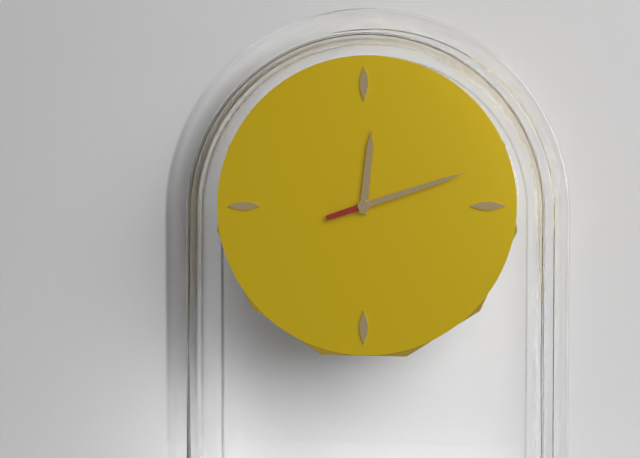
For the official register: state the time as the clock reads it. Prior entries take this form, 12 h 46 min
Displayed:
12 h 12 min
